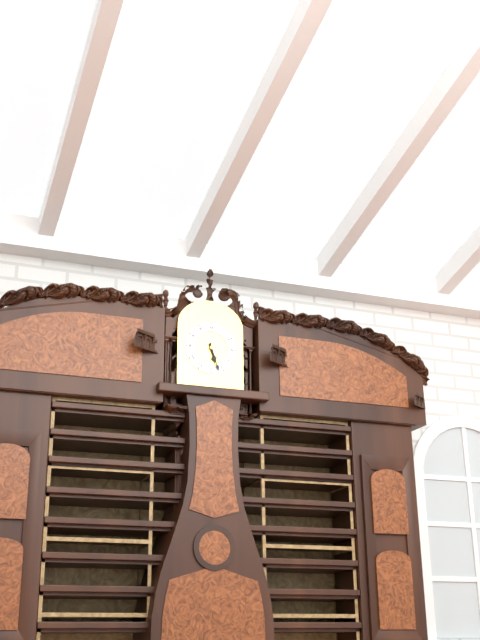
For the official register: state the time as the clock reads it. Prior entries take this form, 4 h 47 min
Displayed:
5 h 27 min
